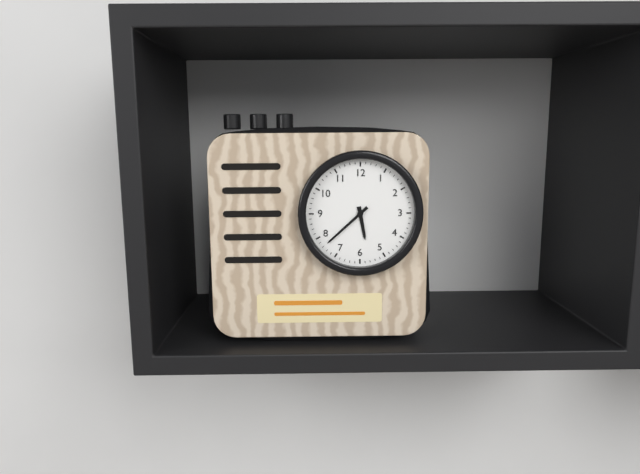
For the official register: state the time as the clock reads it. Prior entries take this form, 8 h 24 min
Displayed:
5 h 38 min
